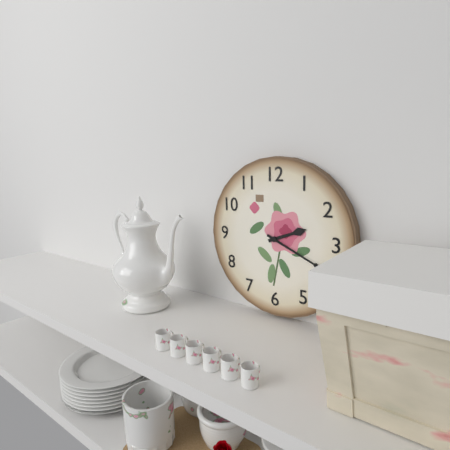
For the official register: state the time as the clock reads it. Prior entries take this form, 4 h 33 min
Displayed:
2 h 19 min
